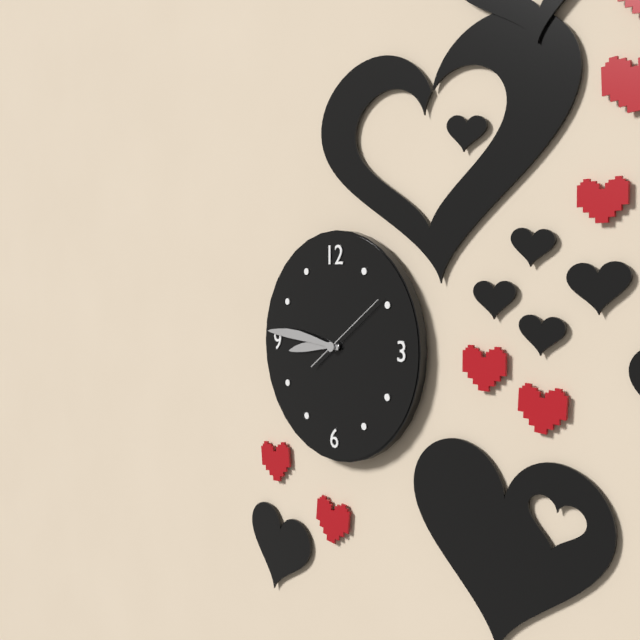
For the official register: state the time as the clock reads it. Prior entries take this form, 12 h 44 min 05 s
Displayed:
8 h 46 min 09 s
